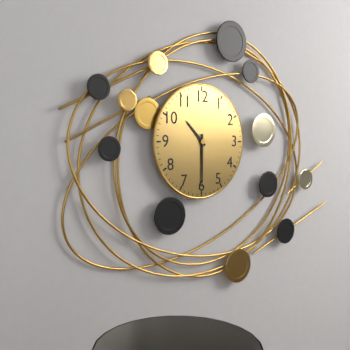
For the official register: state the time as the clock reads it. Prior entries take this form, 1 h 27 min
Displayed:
10 h 30 min
